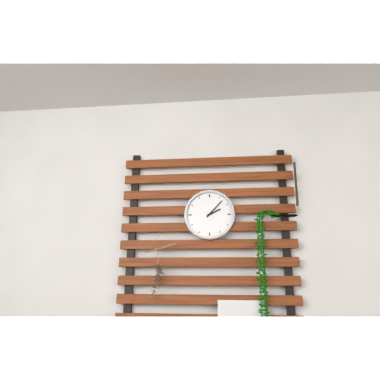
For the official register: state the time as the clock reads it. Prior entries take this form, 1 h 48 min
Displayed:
2 h 07 min
